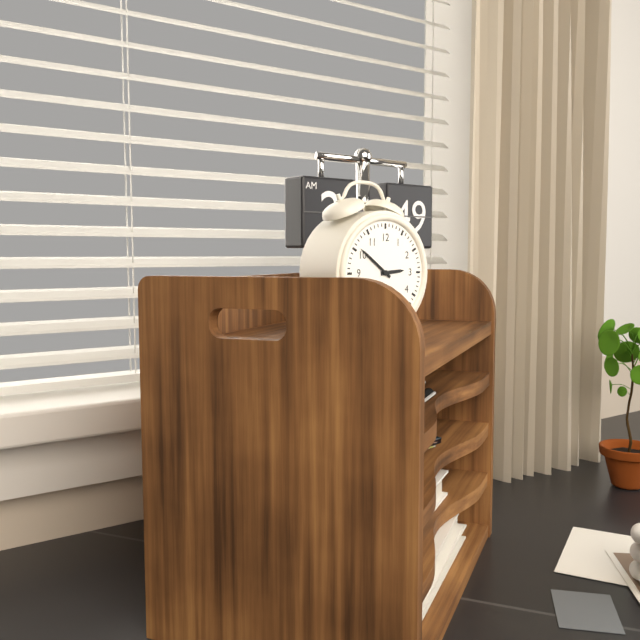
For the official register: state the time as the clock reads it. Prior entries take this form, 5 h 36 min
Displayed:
2 h 51 min
